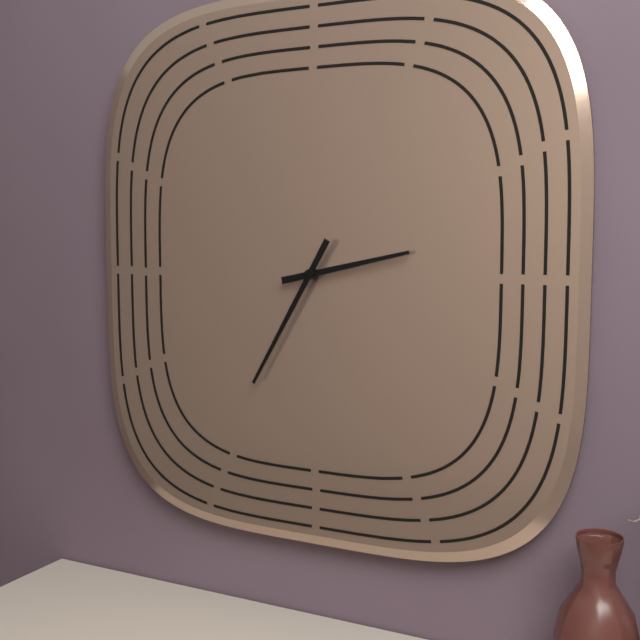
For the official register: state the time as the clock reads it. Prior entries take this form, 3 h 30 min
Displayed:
2 h 35 min
